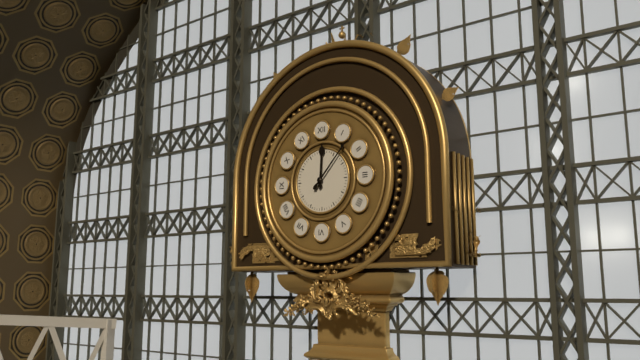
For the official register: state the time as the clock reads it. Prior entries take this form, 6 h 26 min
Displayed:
12 h 07 min
